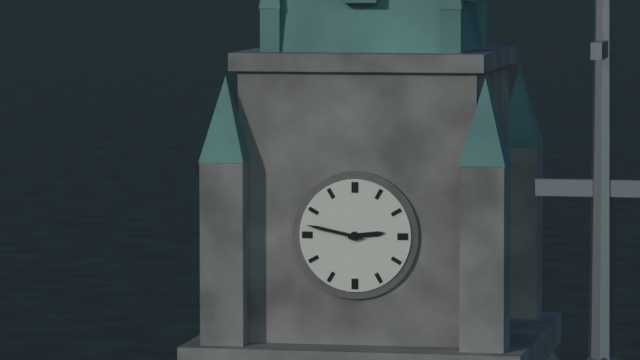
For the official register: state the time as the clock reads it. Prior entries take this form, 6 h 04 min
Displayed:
2 h 47 min
